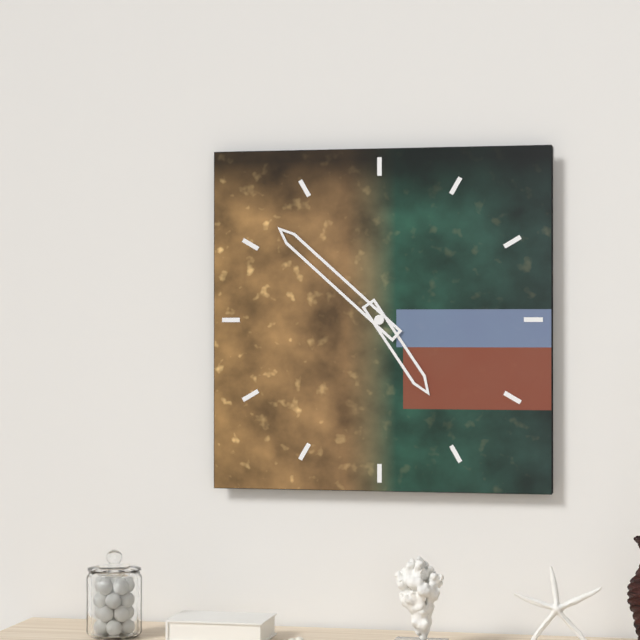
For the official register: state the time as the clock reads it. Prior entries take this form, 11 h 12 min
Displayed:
4 h 52 min
